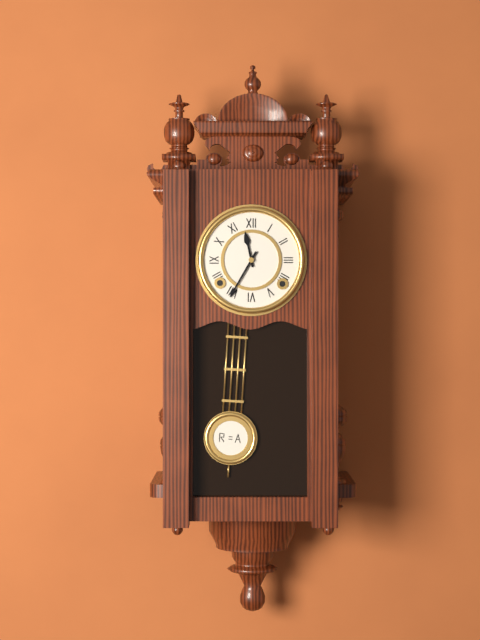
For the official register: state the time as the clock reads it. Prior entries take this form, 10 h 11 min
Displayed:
11 h 35 min
